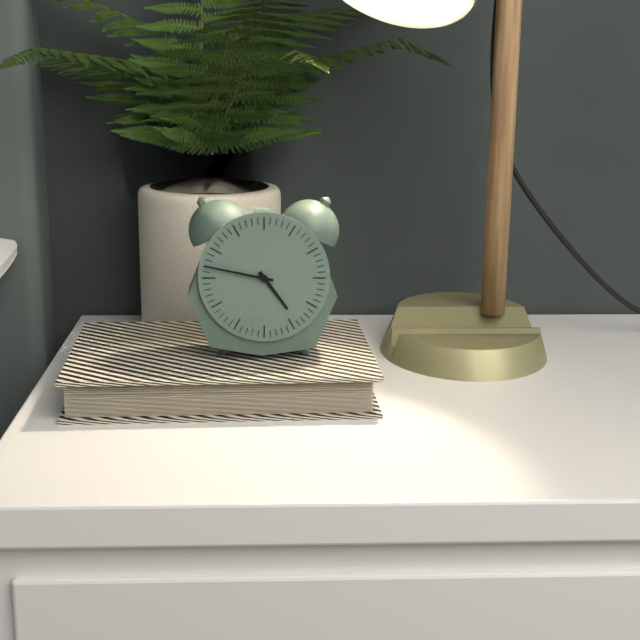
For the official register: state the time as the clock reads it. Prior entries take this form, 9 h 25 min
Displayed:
4 h 47 min
